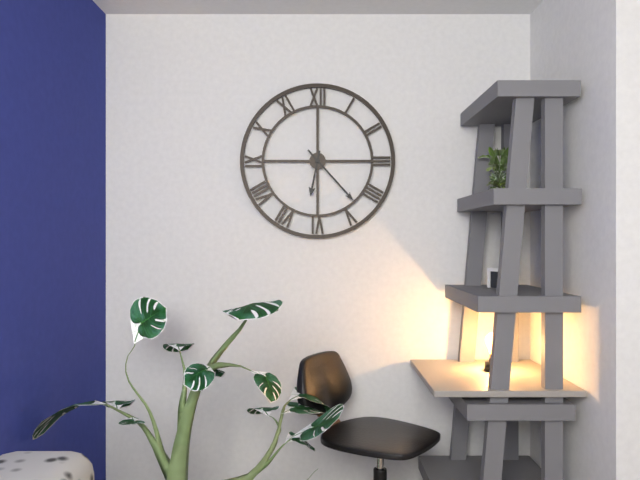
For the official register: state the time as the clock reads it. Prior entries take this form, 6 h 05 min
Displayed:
6 h 23 min
